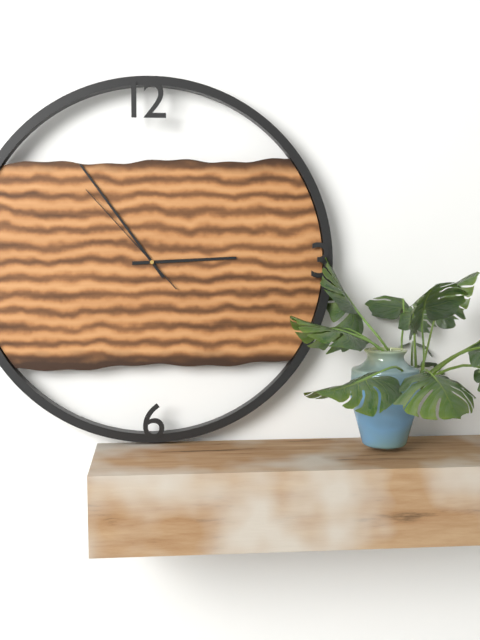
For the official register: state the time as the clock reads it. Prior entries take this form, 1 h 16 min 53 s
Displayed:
2 h 54 min 53 s
